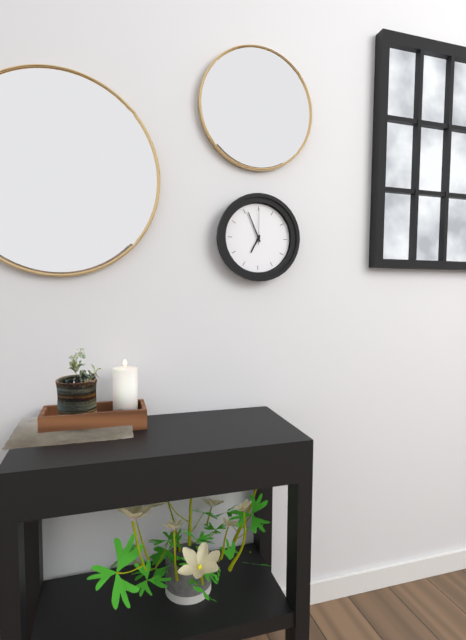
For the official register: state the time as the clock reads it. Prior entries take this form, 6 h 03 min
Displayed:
6 h 56 min
